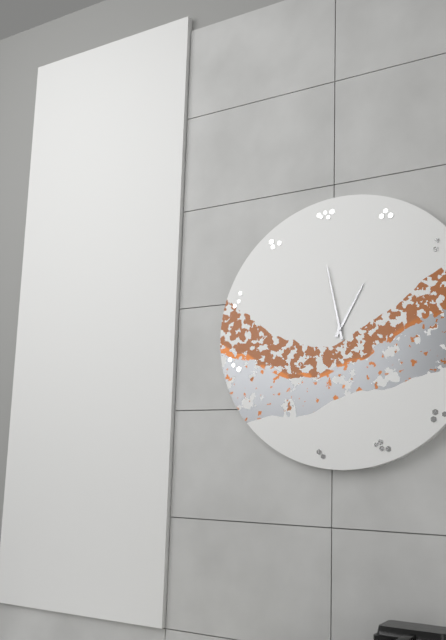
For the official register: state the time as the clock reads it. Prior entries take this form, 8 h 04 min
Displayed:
12 h 58 min
